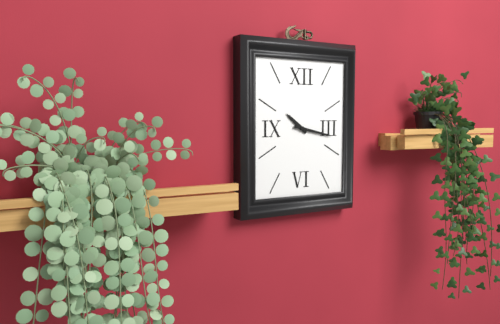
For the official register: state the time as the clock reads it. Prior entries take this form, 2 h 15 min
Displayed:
10 h 17 min
